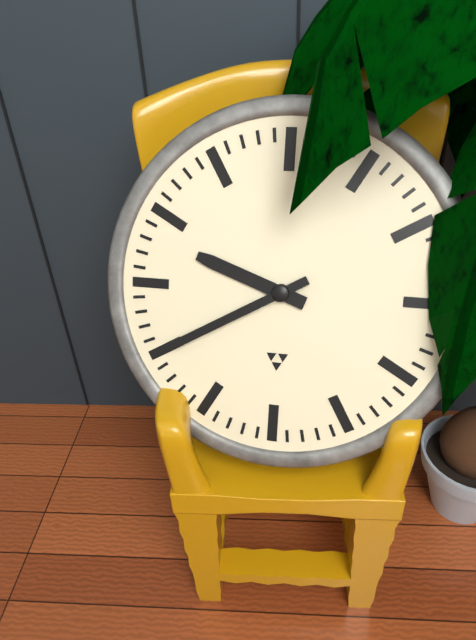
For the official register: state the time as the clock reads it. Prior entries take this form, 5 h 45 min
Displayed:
9 h 40 min
